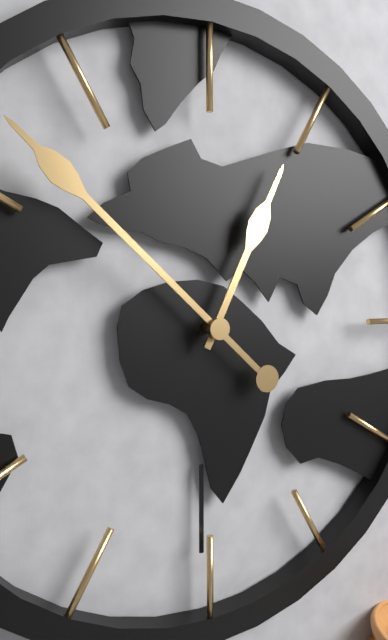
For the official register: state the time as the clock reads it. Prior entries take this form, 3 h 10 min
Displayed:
12 h 52 min
